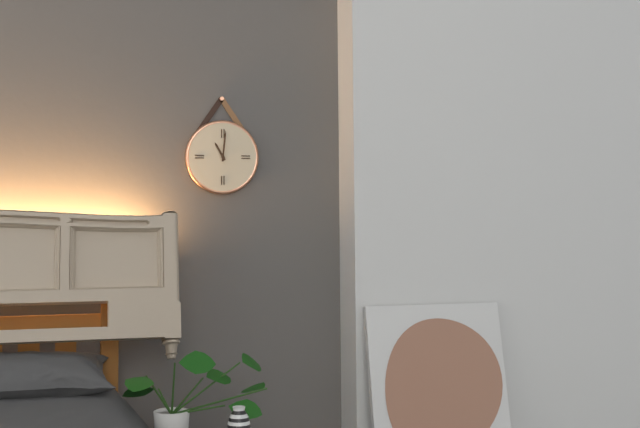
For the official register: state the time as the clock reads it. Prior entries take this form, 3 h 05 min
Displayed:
11 h 01 min
